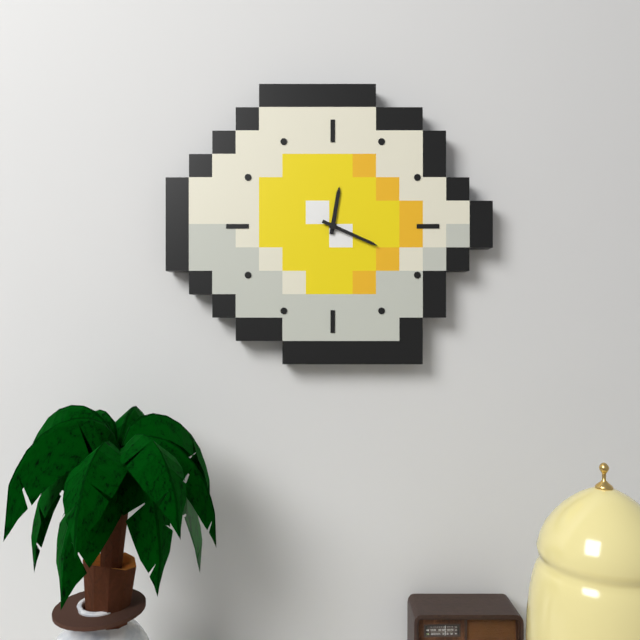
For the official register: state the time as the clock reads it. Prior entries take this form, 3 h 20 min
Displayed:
12 h 19 min
